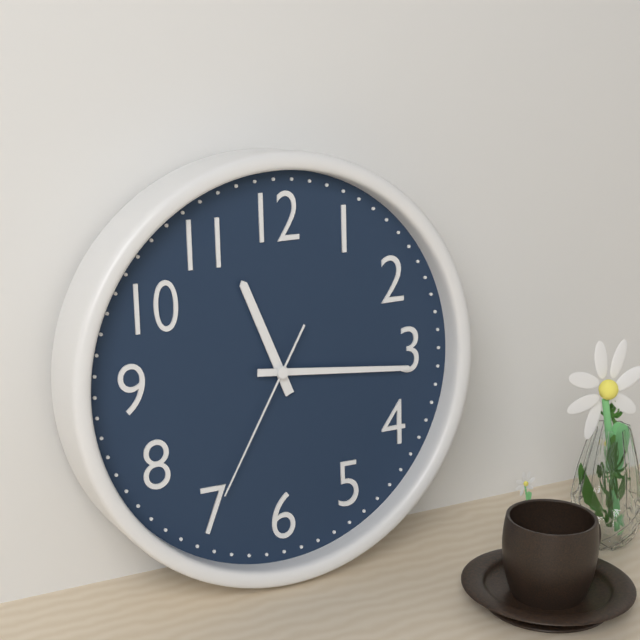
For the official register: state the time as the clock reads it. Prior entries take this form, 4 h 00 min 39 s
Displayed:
11 h 16 min 35 s
